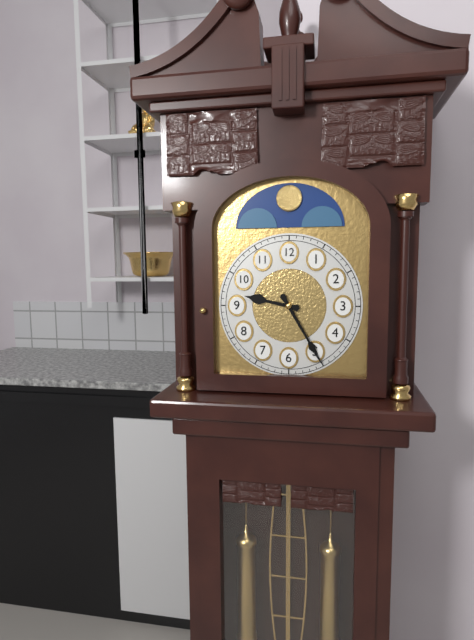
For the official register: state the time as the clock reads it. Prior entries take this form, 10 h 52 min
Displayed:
9 h 25 min
